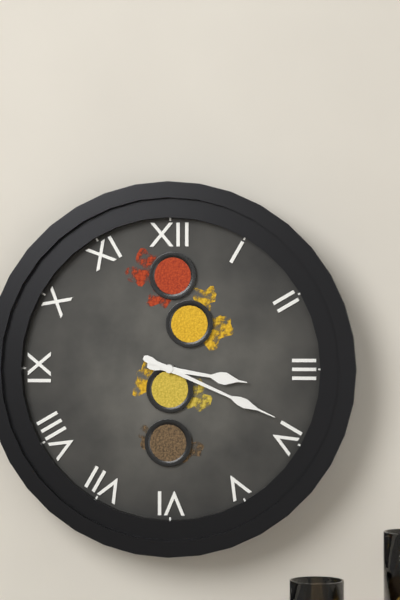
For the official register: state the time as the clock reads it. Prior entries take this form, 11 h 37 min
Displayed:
3 h 19 min
